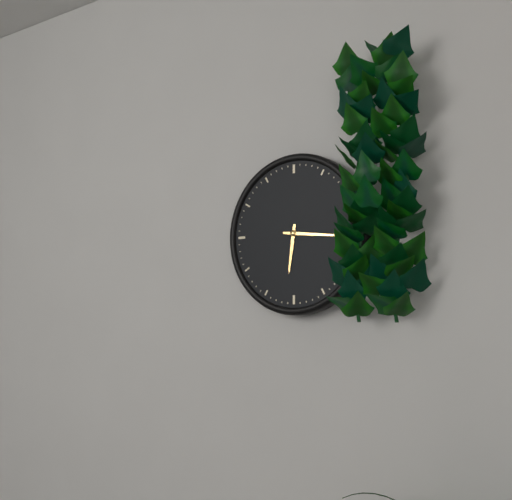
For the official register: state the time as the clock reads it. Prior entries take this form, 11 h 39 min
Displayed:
6 h 16 min
